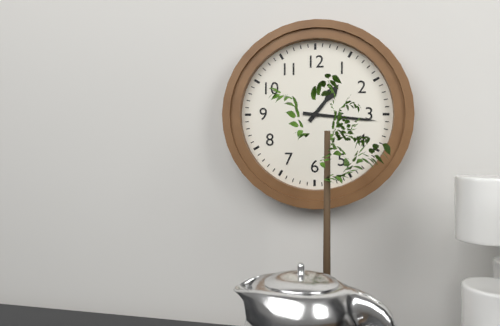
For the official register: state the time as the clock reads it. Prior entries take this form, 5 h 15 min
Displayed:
1 h 16 min
